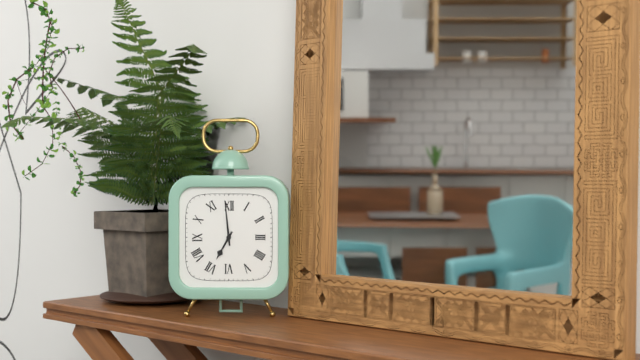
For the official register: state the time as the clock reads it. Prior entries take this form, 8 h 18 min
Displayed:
6 h 59 min
